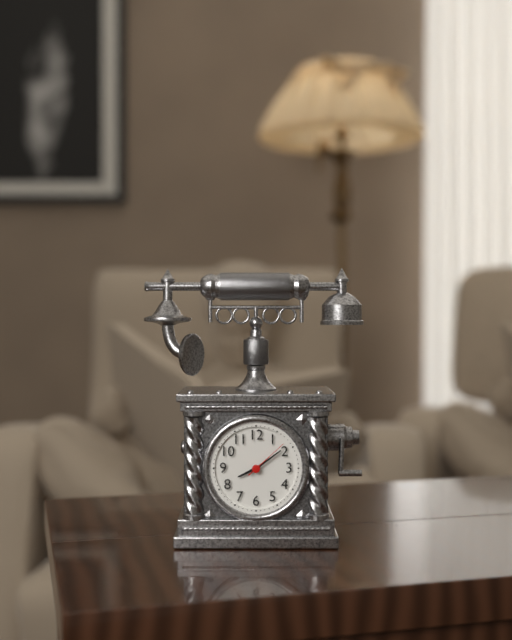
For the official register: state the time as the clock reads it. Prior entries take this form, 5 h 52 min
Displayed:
8 h 09 min
